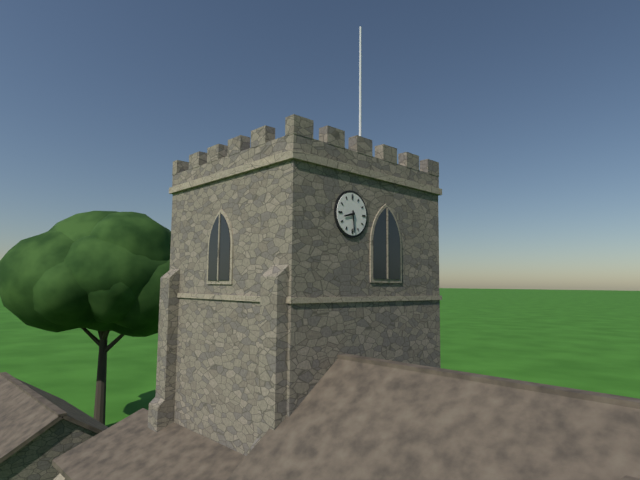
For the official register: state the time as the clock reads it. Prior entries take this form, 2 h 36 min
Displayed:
8 h 29 min
